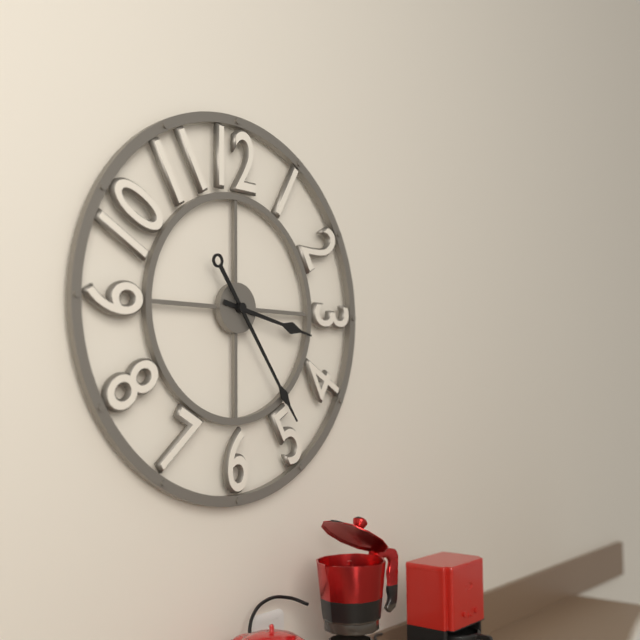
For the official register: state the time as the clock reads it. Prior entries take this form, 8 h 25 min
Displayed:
3 h 24 min
